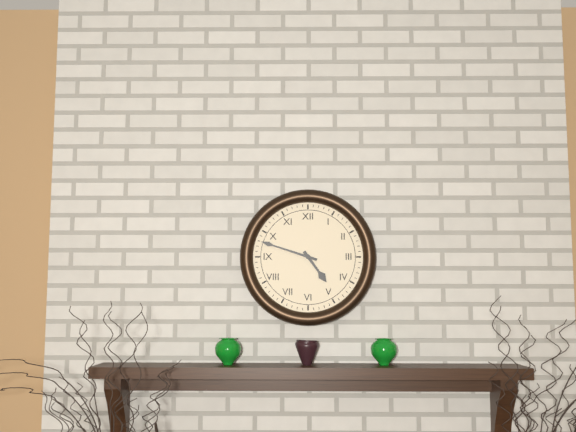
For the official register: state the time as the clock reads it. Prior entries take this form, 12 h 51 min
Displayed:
4 h 48 min
